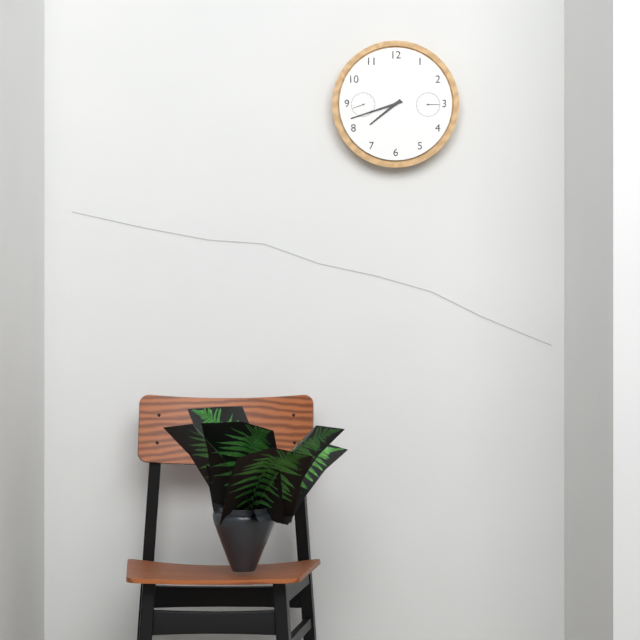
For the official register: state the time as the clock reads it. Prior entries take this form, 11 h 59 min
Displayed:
7 h 42 min
